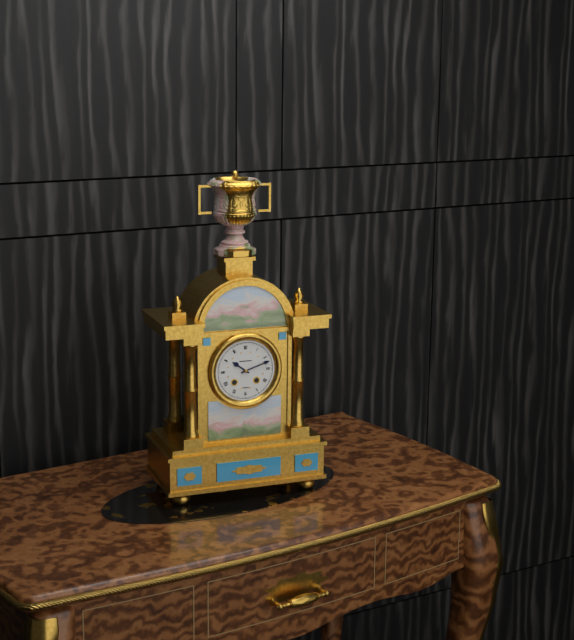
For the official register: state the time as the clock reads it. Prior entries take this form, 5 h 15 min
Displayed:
10 h 12 min
